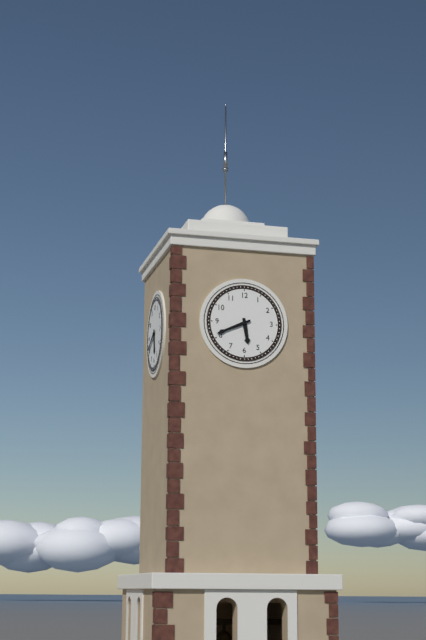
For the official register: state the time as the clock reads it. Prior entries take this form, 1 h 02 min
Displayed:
5 h 41 min
